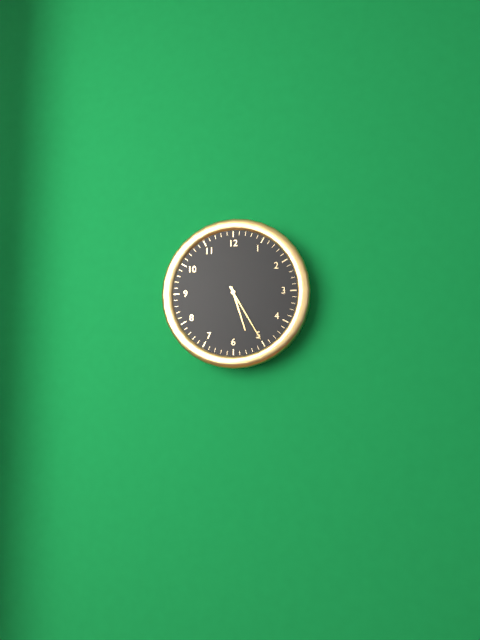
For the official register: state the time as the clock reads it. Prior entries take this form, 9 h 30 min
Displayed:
5 h 25 min
